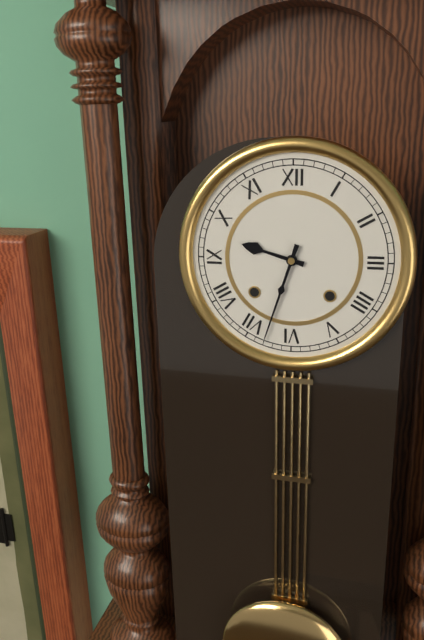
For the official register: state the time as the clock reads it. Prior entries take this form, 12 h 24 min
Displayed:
9 h 33 min
